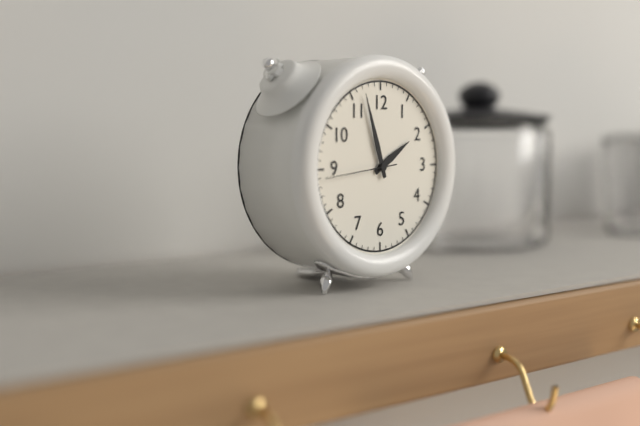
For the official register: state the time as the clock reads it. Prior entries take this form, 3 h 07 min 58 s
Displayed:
1 h 57 min 44 s
